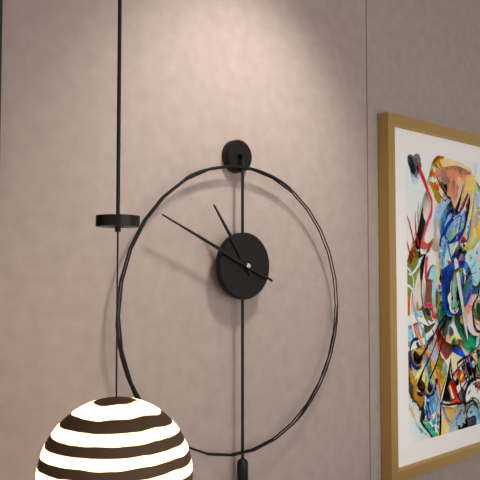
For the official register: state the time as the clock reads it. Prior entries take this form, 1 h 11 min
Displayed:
10 h 49 min
